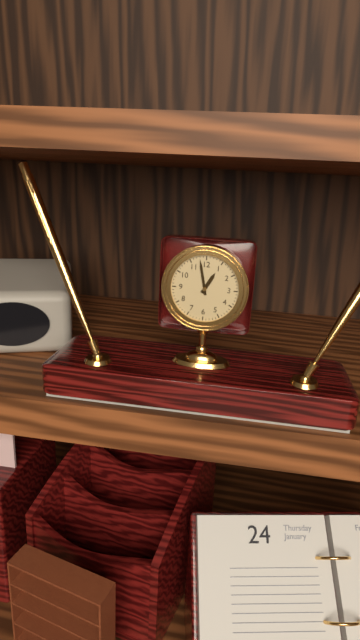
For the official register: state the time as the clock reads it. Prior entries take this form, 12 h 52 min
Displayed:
12 h 58 min
